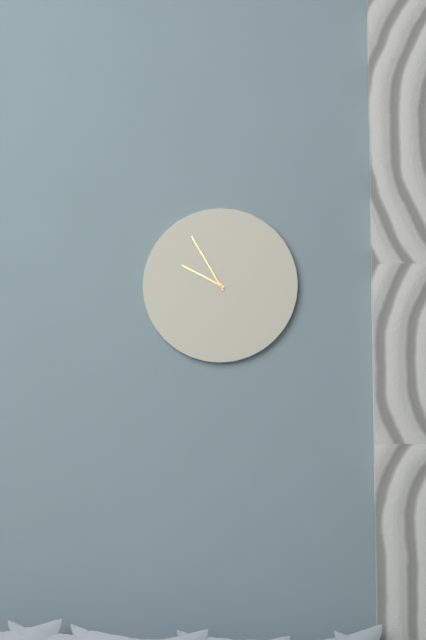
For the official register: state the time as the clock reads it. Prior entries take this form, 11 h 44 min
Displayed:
9 h 55 min
